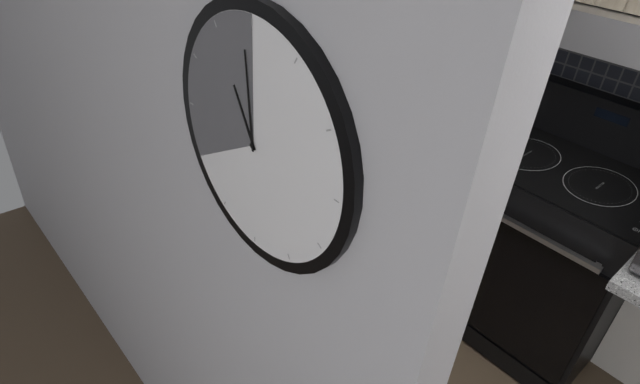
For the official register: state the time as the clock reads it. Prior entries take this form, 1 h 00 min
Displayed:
10 h 59 min
